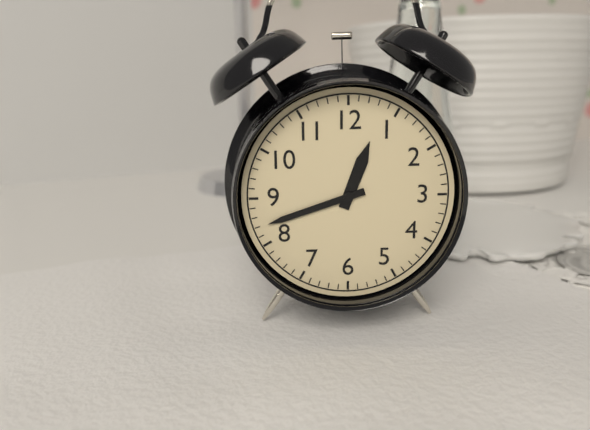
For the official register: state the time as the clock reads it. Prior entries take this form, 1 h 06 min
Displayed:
12 h 42 min
